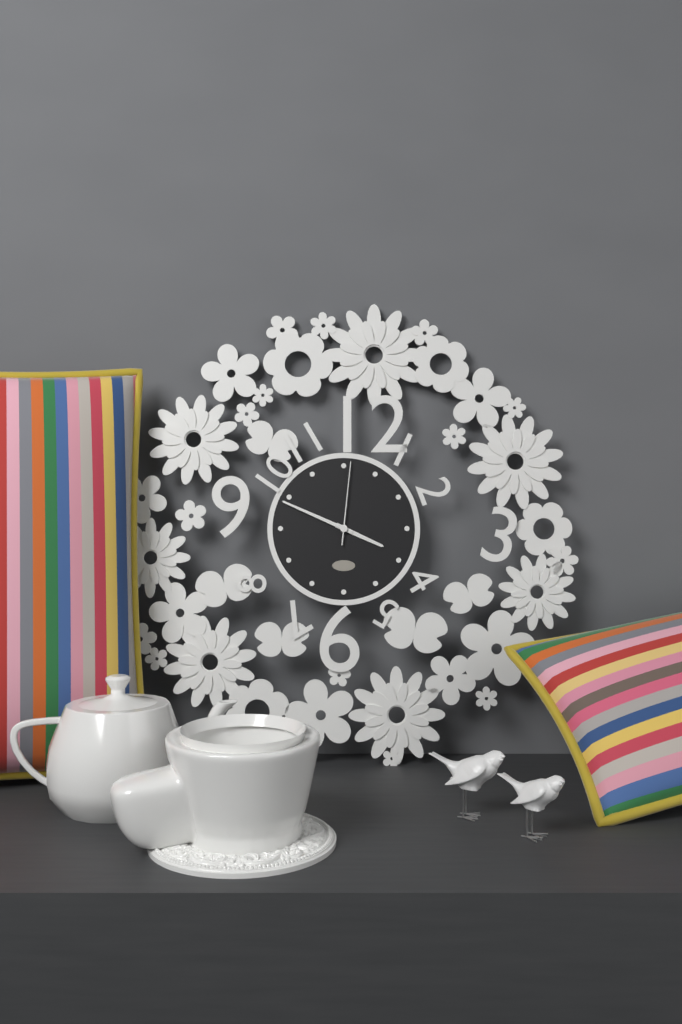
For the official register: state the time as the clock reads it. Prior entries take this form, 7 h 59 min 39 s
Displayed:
3 h 49 min 01 s
